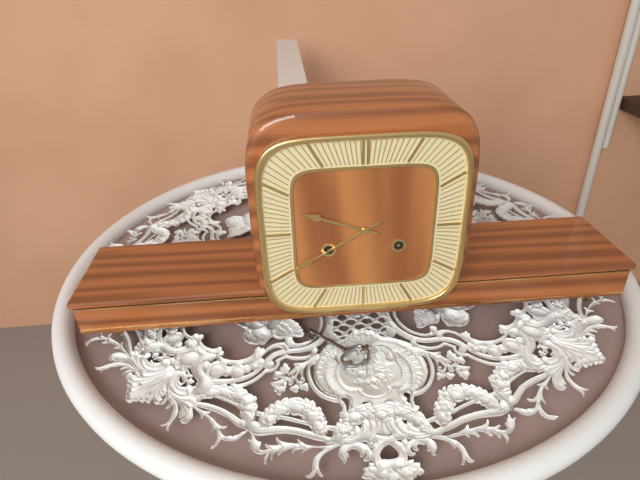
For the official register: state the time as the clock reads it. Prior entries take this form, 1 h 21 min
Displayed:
9 h 40 min
